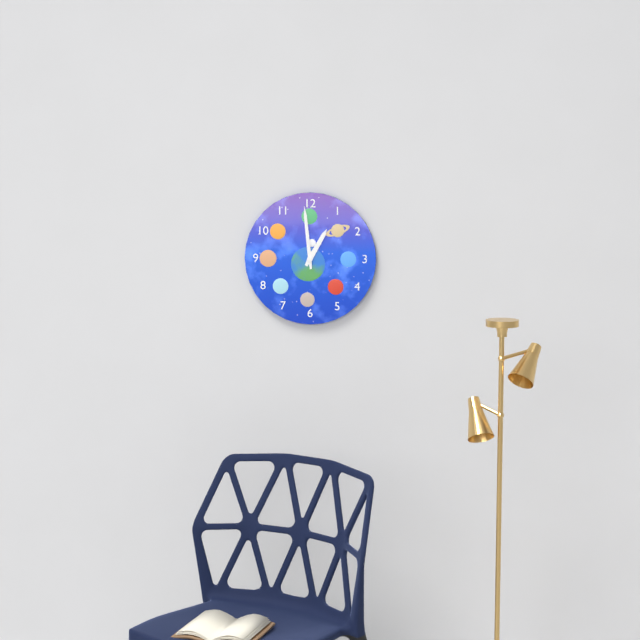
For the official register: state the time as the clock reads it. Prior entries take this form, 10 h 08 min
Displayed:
12 h 59 min
